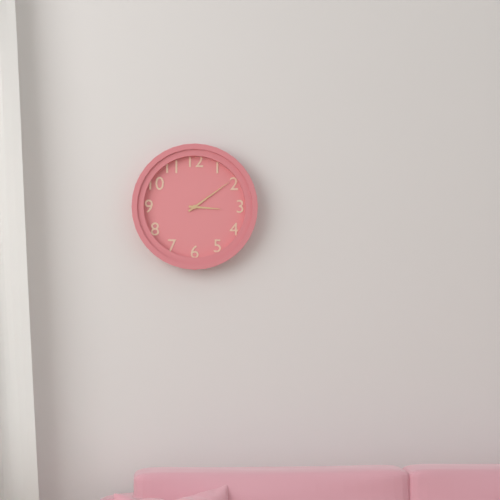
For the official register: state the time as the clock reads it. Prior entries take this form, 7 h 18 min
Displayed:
3 h 09 min
